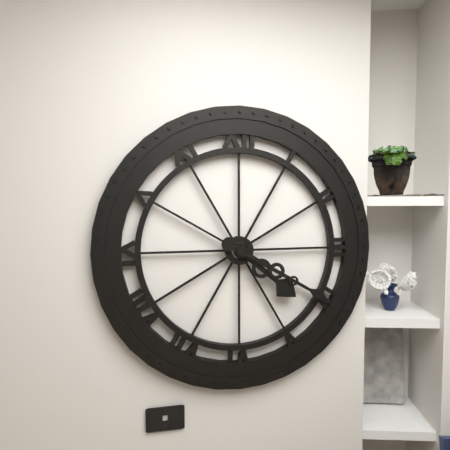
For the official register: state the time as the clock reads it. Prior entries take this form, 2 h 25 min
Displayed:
4 h 20 min
